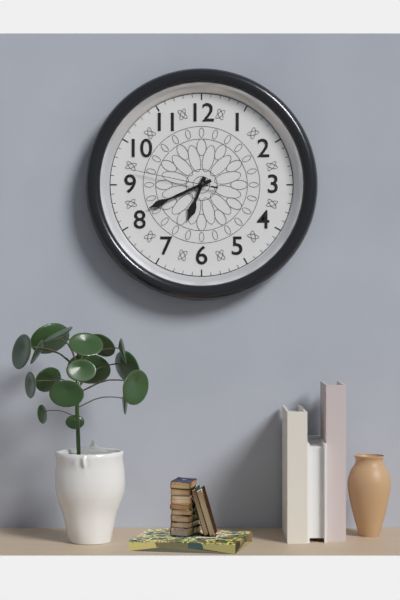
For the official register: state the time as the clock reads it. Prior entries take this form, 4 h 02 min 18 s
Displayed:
6 h 41 min 47 s
